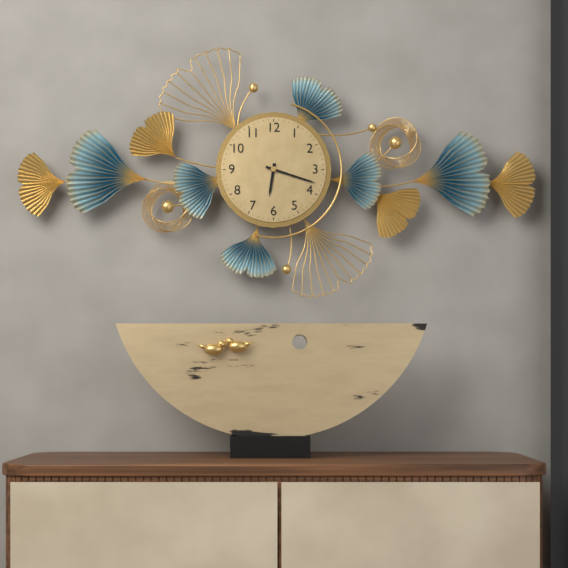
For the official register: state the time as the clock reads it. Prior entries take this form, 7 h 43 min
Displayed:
6 h 18 min
